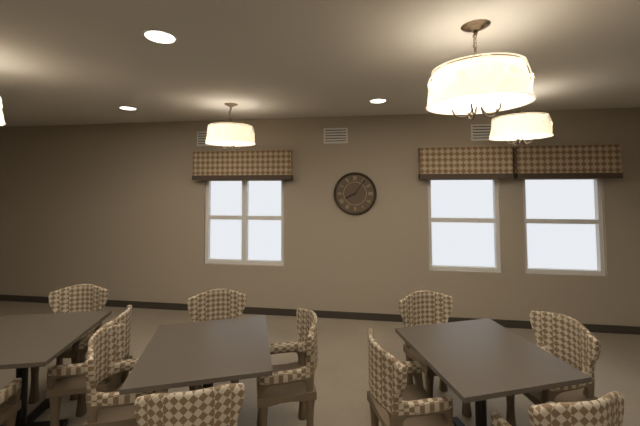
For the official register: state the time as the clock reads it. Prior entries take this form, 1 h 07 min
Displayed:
8 h 06 min
